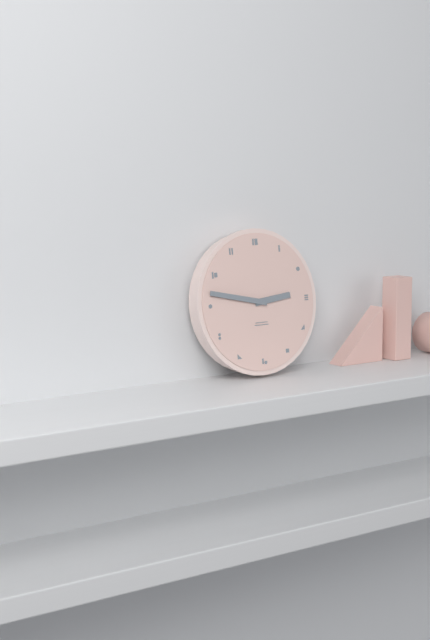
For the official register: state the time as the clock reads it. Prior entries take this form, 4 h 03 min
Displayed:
2 h 47 min
